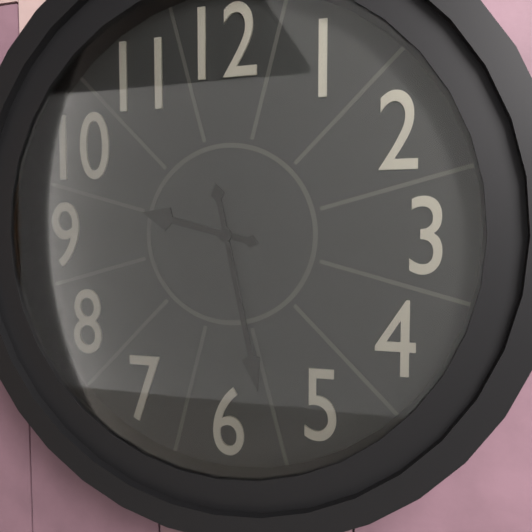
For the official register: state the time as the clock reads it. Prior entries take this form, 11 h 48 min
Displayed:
9 h 28 min
